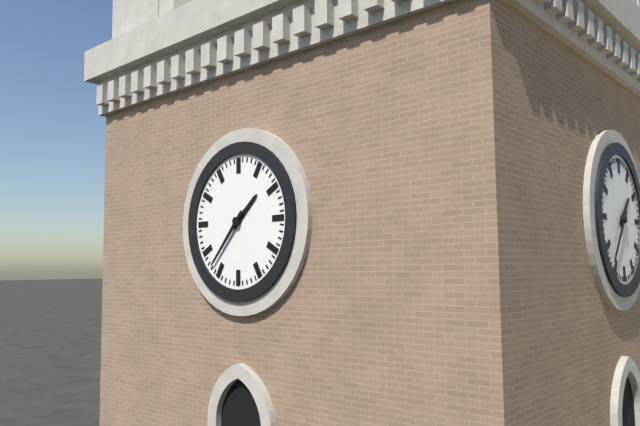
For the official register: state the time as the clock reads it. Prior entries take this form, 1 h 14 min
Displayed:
1 h 37 min
